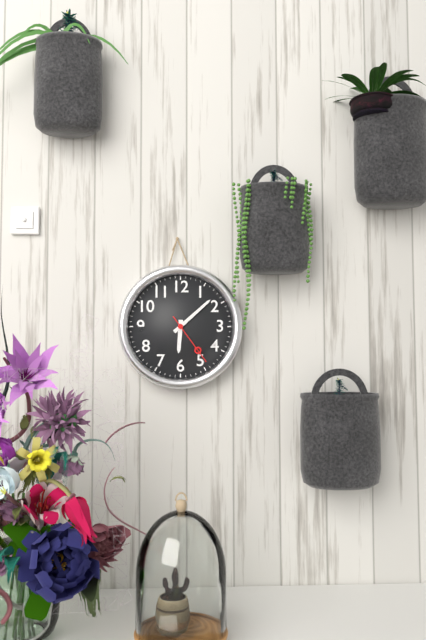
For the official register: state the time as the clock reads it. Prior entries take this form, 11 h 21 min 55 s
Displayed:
6 h 08 min 24 s
